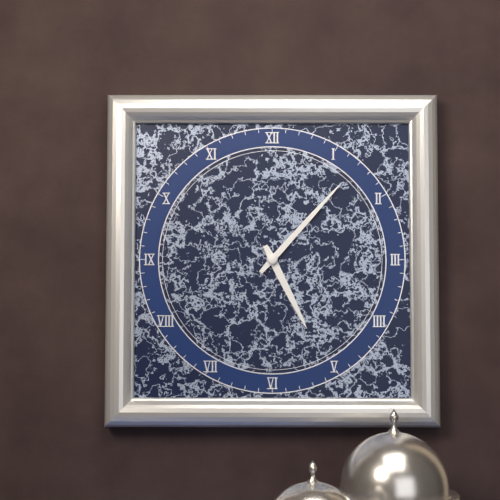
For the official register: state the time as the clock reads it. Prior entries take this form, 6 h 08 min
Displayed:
5 h 07 min
